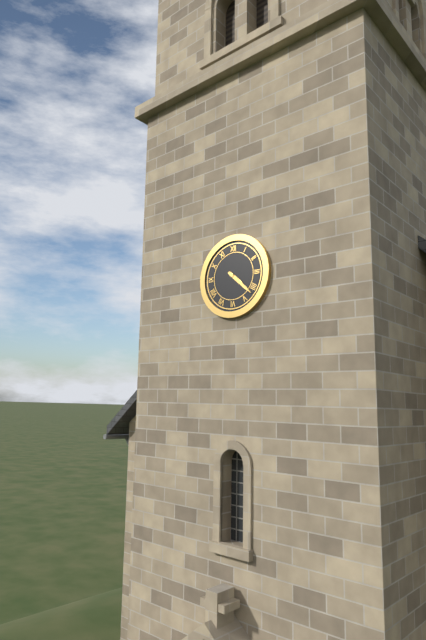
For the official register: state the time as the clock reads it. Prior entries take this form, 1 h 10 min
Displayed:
4 h 22 min
